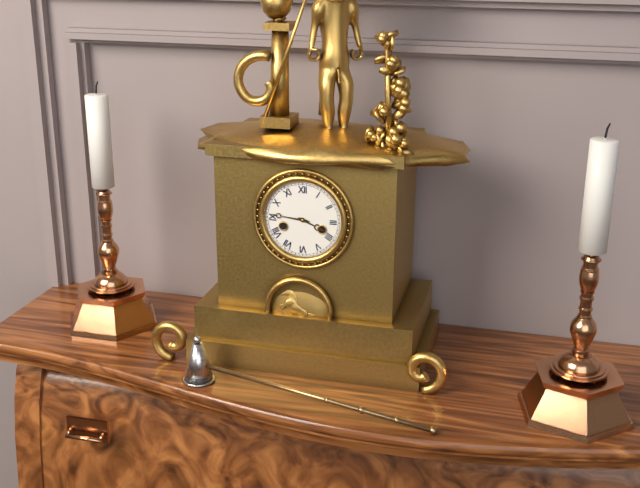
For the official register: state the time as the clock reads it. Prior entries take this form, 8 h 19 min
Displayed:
3 h 46 min
